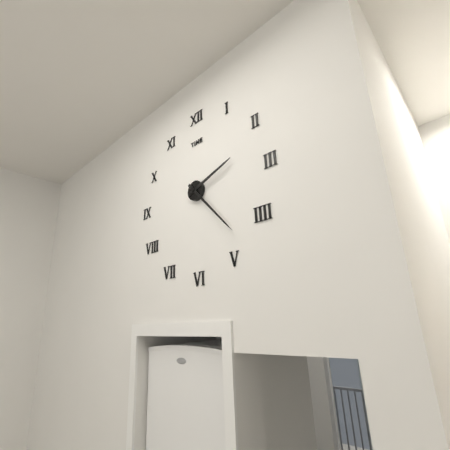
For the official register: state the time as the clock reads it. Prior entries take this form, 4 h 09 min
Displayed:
2 h 23 min
